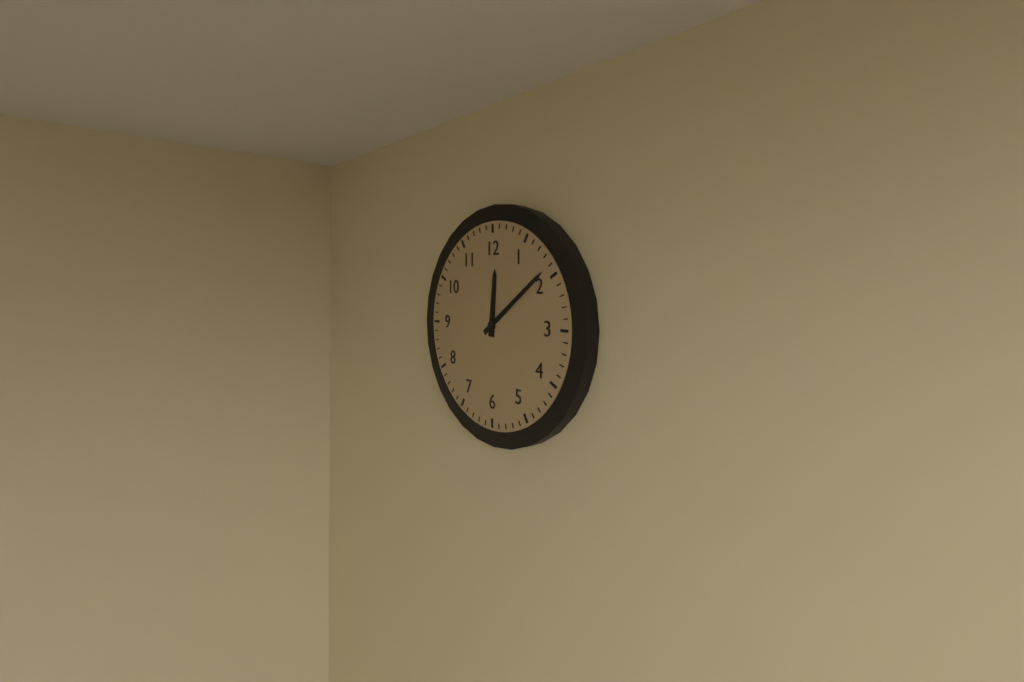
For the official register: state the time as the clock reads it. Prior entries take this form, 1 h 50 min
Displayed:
12 h 09 min
